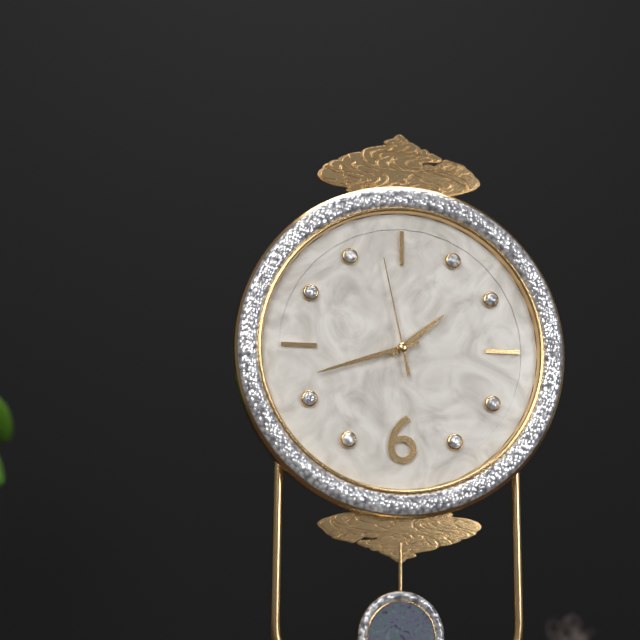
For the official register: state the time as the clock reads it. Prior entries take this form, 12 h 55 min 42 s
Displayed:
1 h 42 min 58 s
